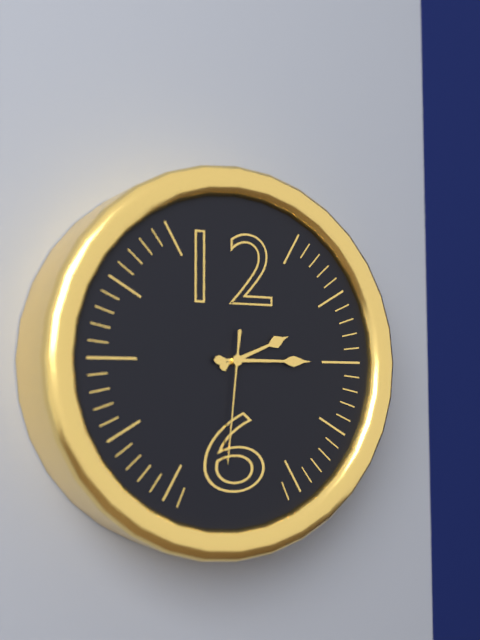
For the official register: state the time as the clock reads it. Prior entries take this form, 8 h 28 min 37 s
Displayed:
2 h 15 min 31 s
